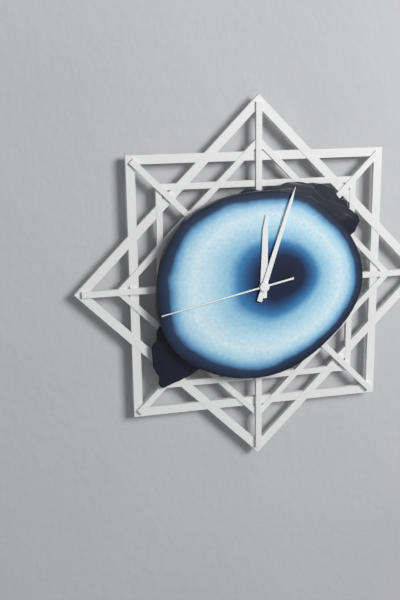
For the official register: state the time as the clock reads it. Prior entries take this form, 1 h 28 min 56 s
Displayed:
12 h 03 min 43 s
